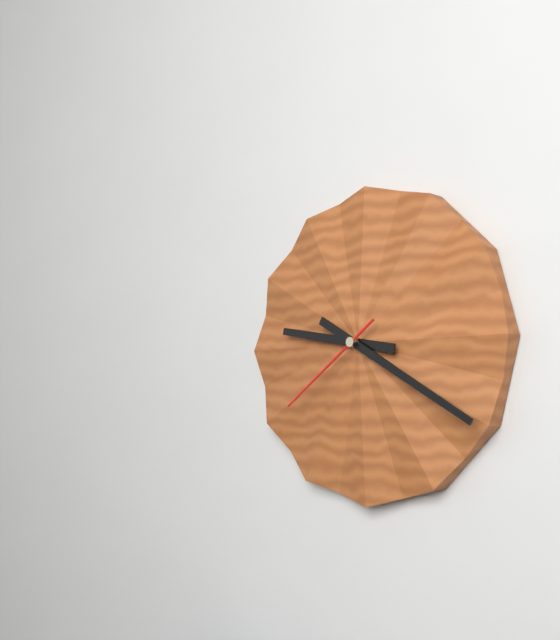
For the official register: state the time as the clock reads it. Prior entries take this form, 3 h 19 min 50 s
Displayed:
9 h 20 min 39 s
